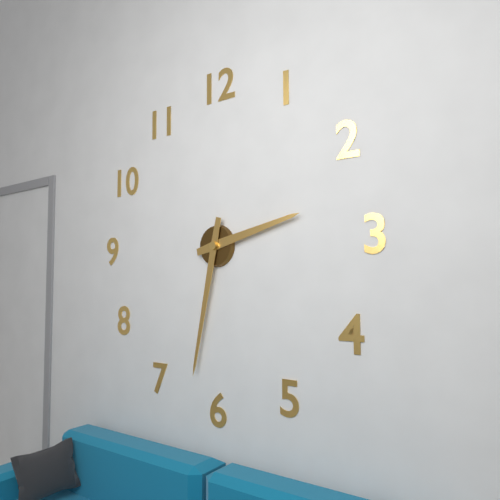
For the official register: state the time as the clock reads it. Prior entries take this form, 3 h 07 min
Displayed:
2 h 32 min
